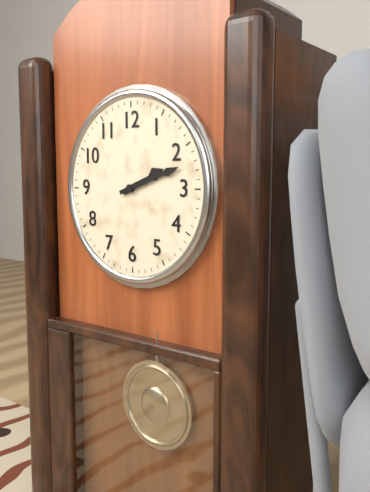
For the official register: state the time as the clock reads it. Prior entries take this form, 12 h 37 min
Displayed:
2 h 12 min
